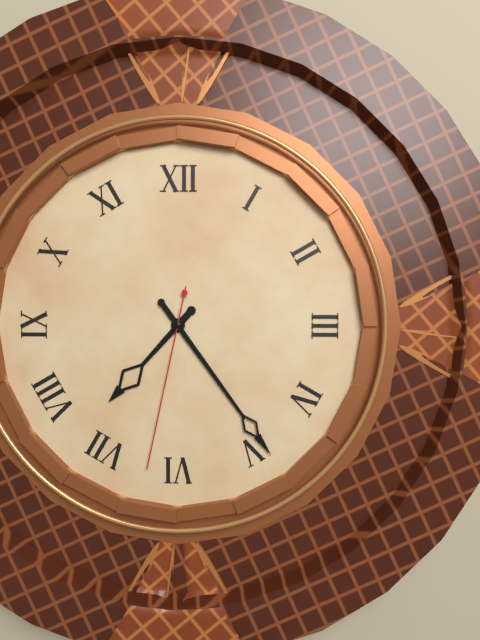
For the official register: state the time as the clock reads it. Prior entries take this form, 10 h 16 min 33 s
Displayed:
7 h 24 min 32 s
